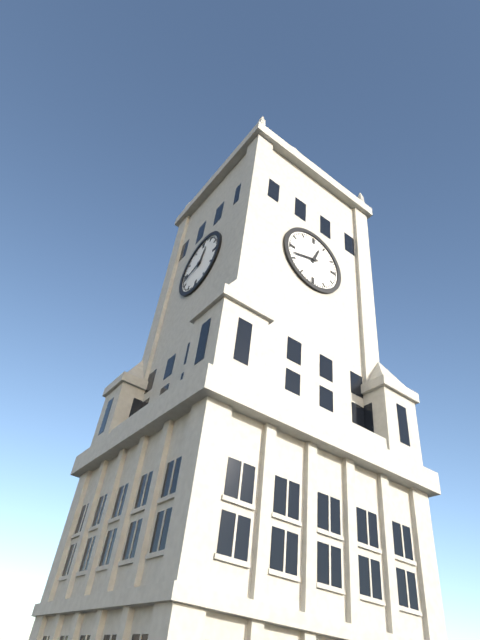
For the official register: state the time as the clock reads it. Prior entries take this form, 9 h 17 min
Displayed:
12 h 42 min
